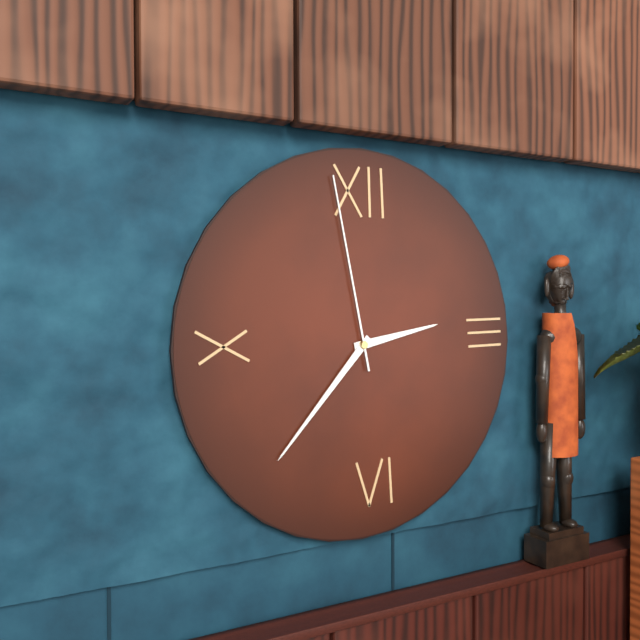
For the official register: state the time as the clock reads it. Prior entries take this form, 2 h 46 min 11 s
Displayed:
2 h 37 min 58 s
